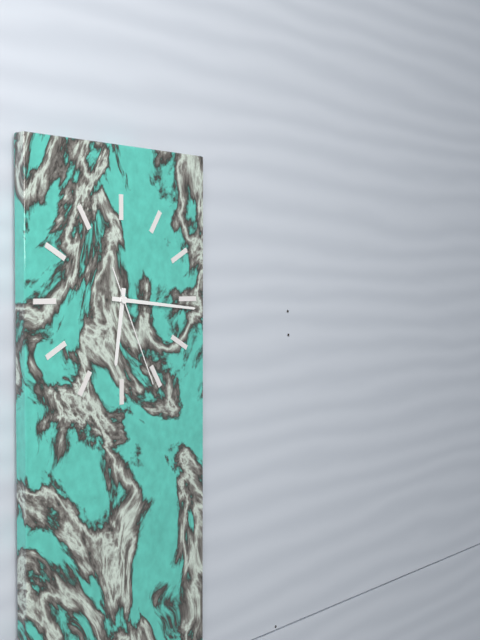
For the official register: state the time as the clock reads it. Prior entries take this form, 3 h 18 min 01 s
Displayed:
6 h 16 min 26 s
